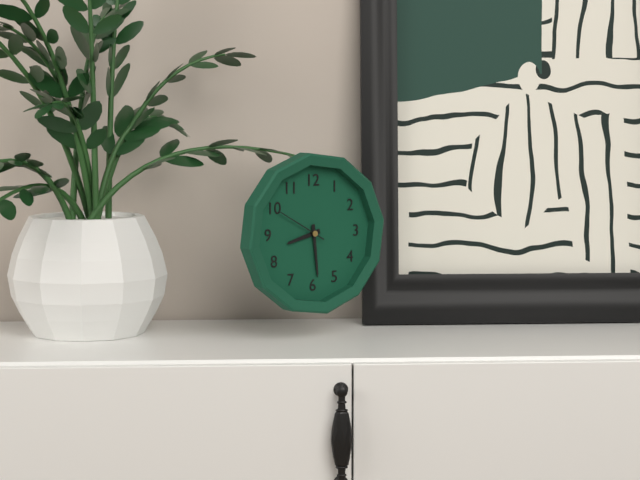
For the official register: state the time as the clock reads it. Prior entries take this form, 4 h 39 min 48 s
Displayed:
8 h 29 min 50 s
